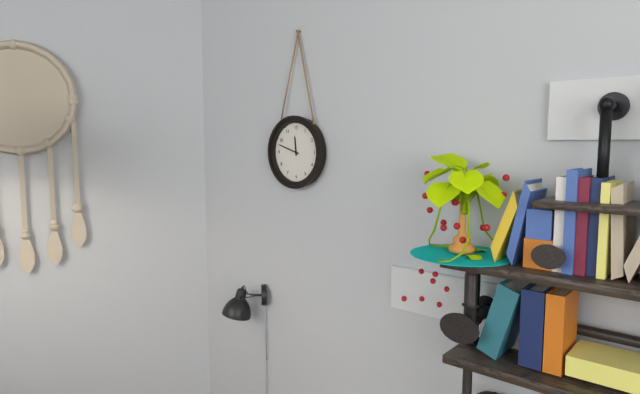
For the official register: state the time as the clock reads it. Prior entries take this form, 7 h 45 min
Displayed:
11 h 48 min
